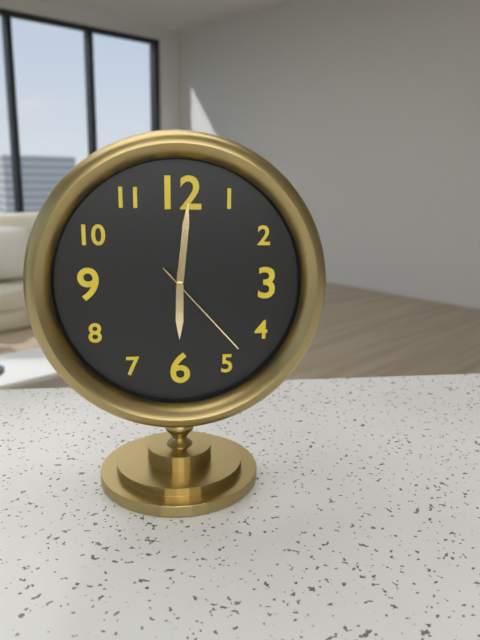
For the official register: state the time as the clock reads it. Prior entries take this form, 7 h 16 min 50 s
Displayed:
6 h 01 min 23 s
